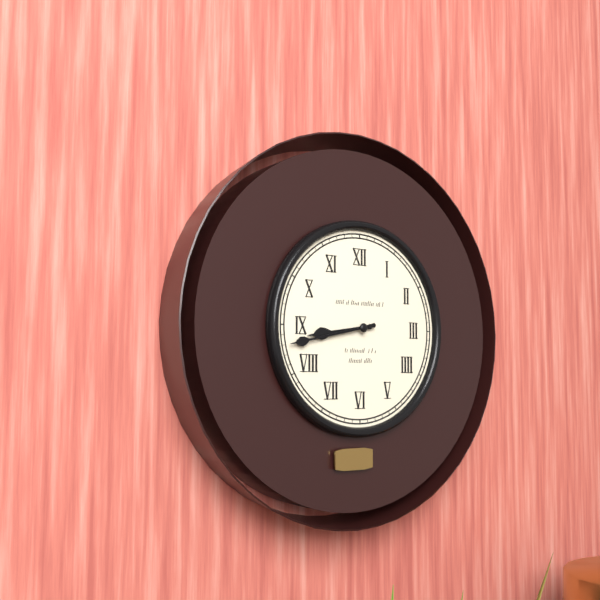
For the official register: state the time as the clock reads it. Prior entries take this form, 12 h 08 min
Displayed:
8 h 43 min
